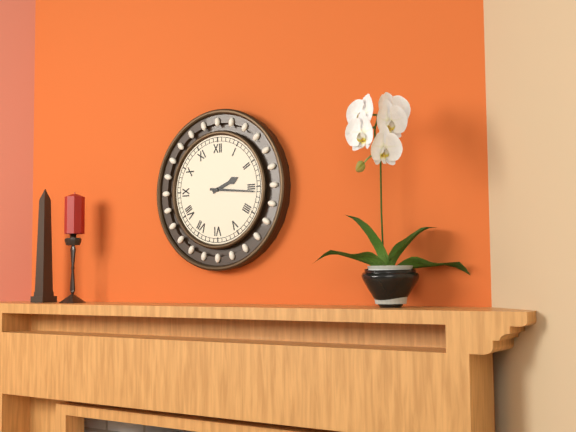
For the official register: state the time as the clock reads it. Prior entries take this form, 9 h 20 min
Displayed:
2 h 16 min
